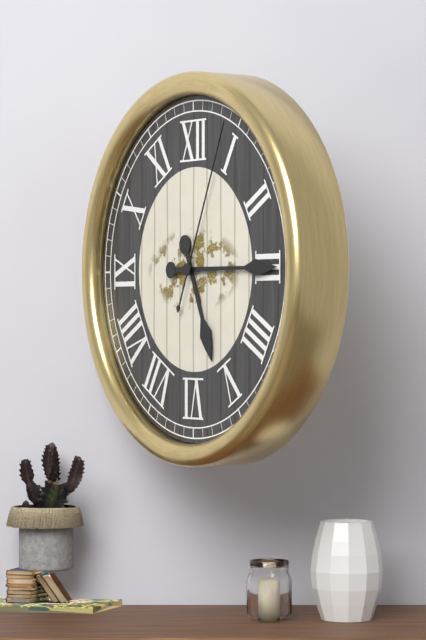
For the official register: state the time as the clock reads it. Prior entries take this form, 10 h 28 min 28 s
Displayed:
5 h 15 min 04 s
